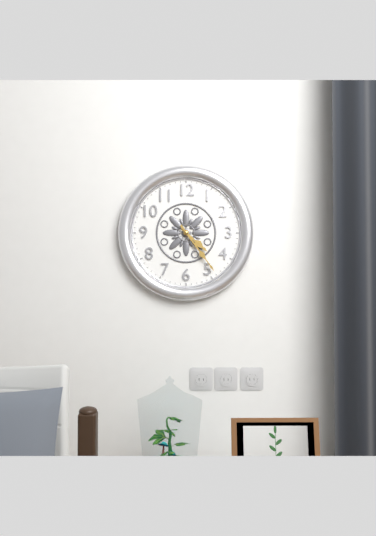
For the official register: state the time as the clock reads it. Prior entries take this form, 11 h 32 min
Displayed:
4 h 24 min
